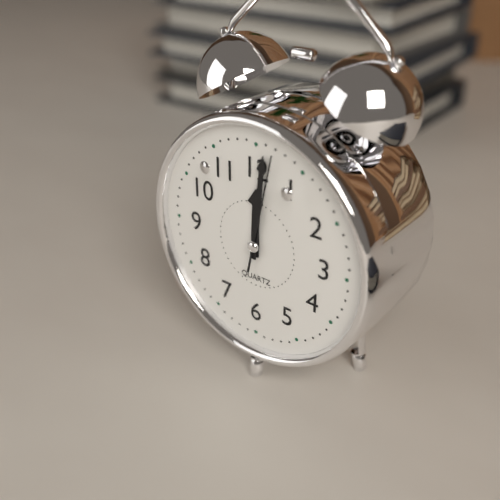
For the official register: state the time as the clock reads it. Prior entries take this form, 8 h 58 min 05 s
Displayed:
12 h 01 min 02 s
